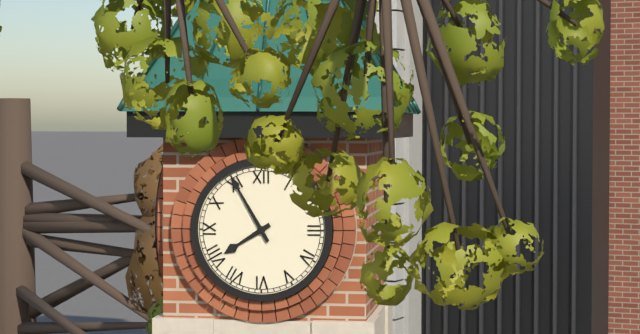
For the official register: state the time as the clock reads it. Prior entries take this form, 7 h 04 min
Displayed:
7 h 55 min
